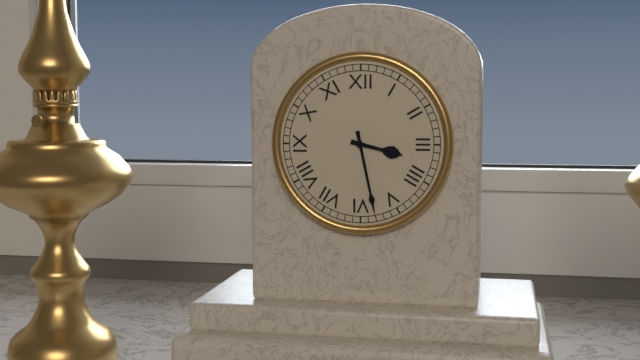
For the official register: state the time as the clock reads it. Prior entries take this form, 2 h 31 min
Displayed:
3 h 28 min
